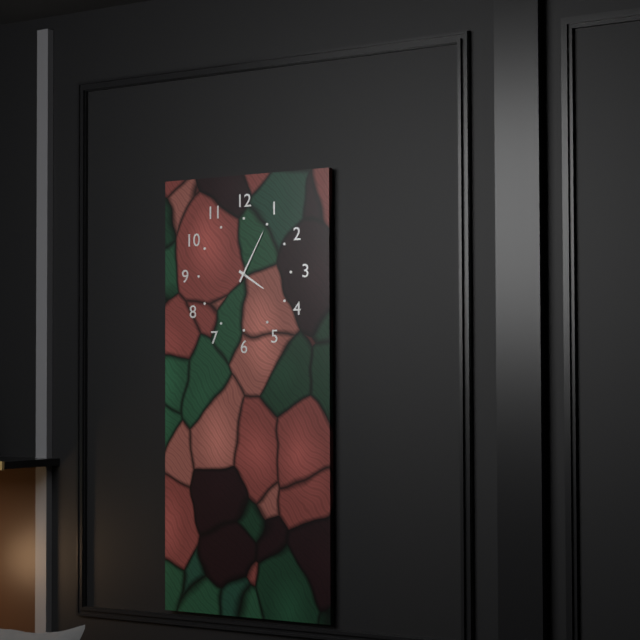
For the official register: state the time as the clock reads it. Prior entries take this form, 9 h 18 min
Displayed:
4 h 05 min
